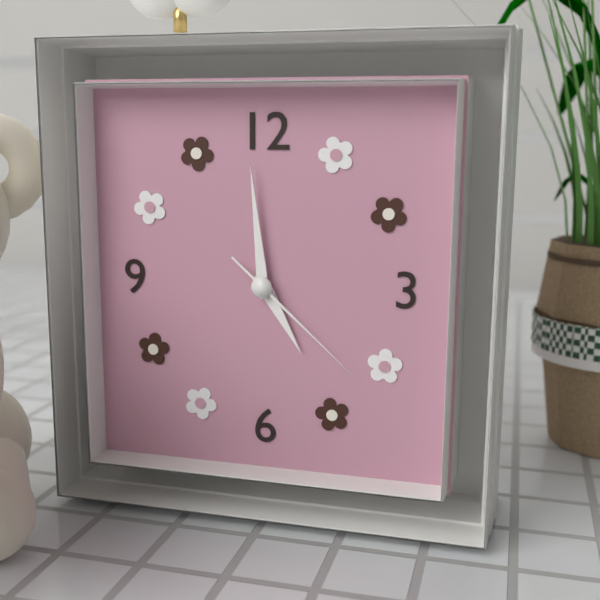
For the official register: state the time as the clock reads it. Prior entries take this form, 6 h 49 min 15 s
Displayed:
4 h 59 min 22 s
